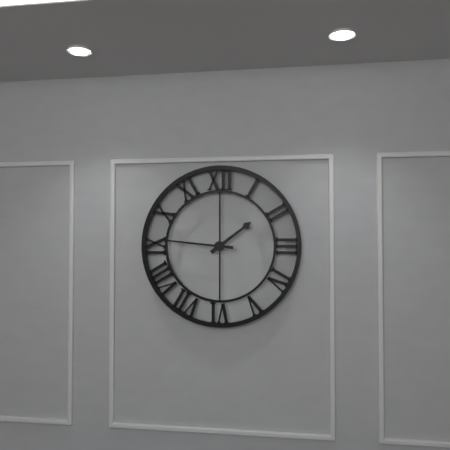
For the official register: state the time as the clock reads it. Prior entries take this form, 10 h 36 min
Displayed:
1 h 46 min
